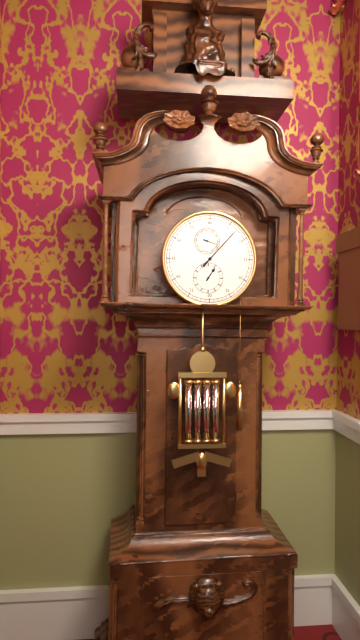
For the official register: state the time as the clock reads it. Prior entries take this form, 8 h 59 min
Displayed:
1 h 07 min
